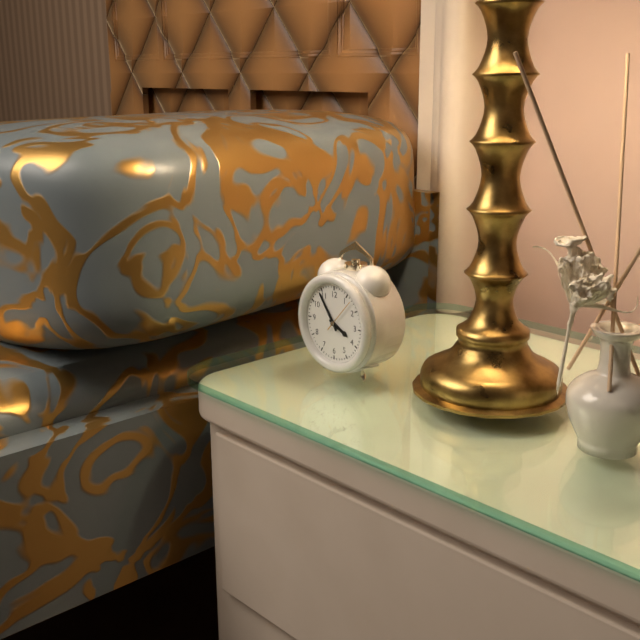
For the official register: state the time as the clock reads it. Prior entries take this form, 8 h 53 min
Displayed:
3 h 54 min
